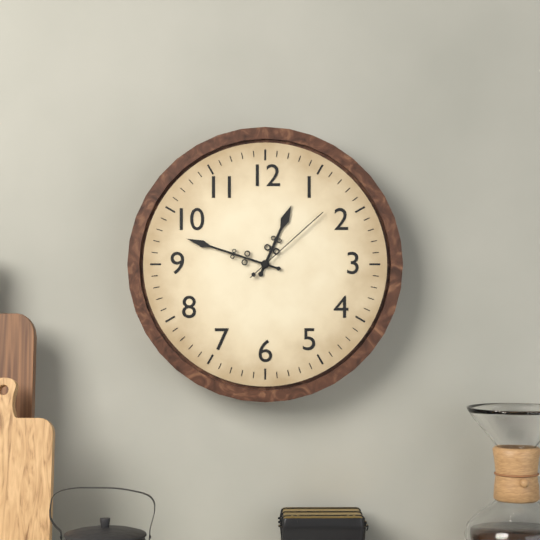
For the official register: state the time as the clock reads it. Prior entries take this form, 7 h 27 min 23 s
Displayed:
12 h 48 min 08 s
